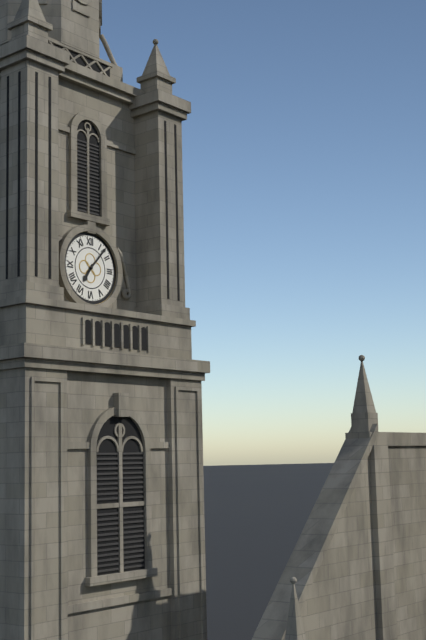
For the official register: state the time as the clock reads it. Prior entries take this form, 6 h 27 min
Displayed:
7 h 07 min
